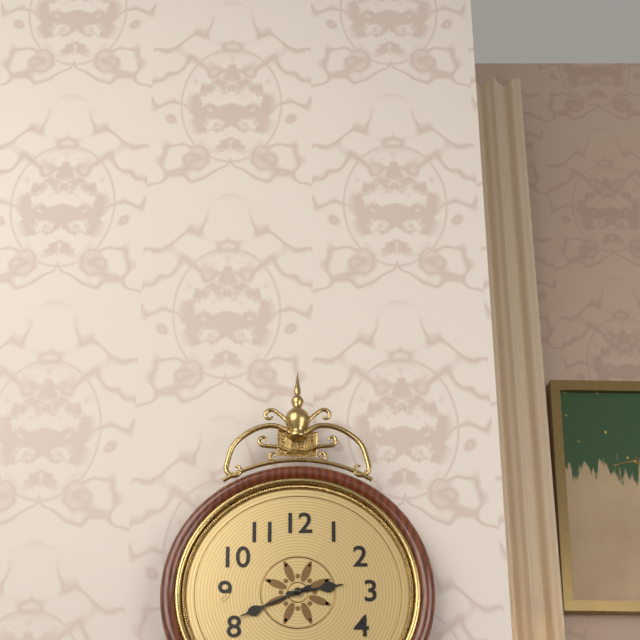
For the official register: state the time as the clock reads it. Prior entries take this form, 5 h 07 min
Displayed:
2 h 41 min
